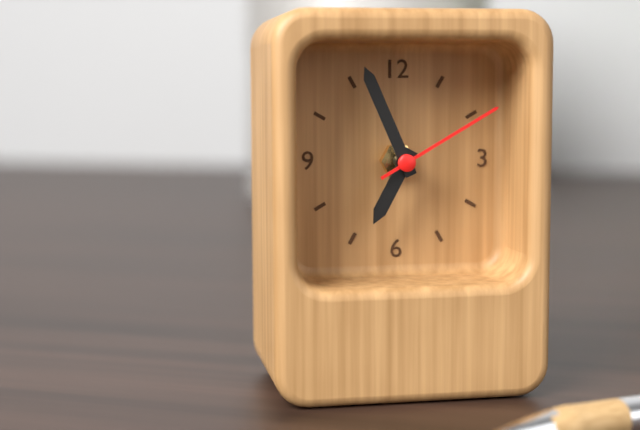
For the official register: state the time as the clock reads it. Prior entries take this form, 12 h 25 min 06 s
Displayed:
6 h 56 min 10 s
